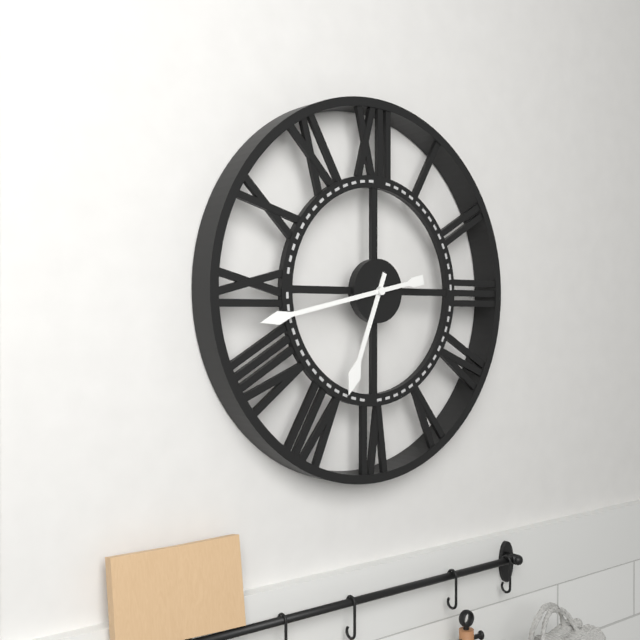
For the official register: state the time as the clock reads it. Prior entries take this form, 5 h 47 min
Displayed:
6 h 43 min
